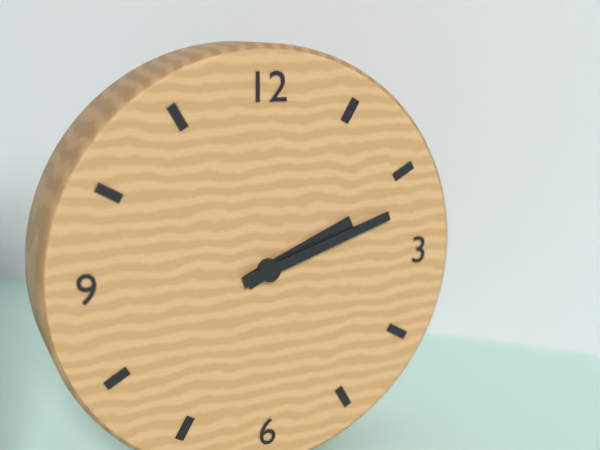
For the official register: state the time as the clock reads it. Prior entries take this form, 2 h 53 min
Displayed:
2 h 12 min
